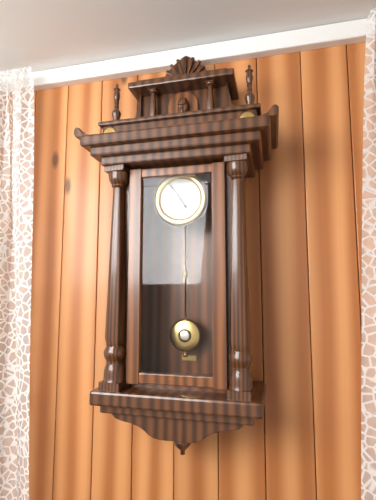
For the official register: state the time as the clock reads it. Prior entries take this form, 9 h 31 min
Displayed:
4 h 54 min
